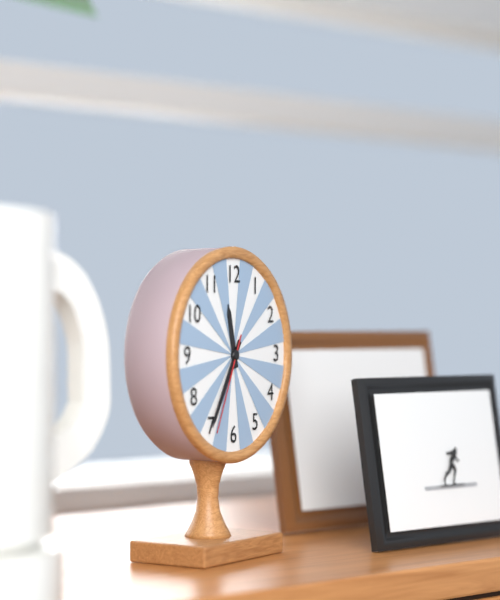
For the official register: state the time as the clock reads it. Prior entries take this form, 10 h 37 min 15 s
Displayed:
11 h 35 min 34 s
